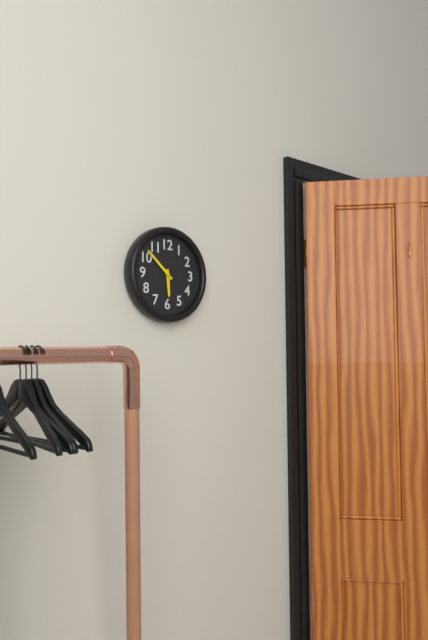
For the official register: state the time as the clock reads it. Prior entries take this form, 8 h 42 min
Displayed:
5 h 52 min
